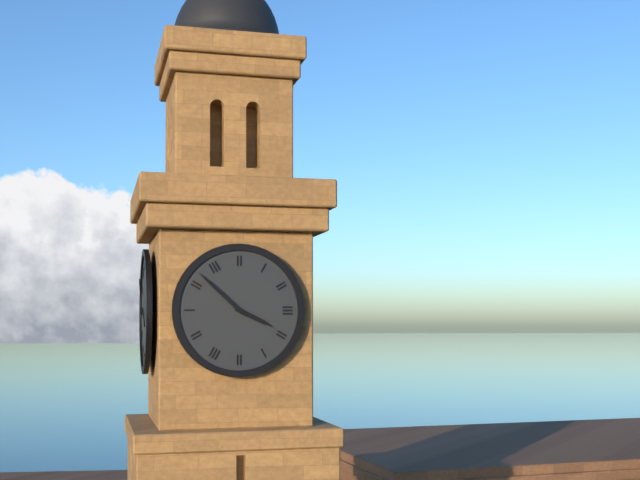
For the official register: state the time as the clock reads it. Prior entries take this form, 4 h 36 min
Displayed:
3 h 52 min
